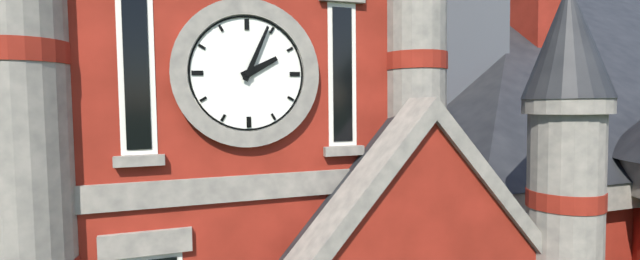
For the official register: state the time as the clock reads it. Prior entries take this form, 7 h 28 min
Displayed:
2 h 04 min
